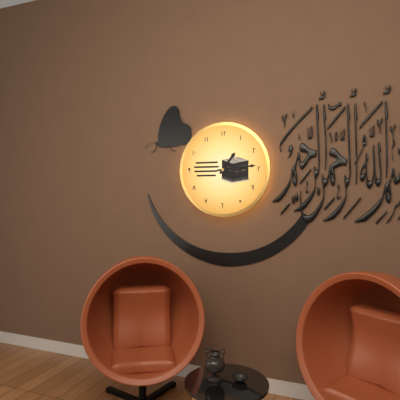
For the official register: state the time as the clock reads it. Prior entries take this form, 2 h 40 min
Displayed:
1 h 14 min
